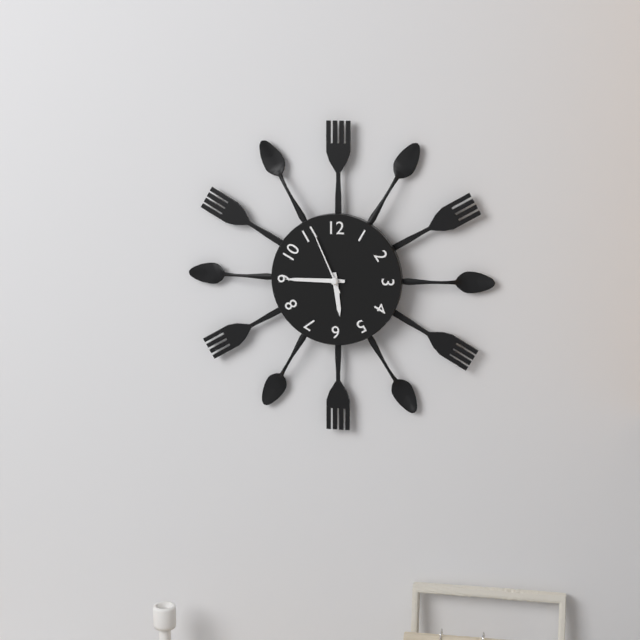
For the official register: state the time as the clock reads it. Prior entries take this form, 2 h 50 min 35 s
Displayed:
5 h 45 min 56 s
